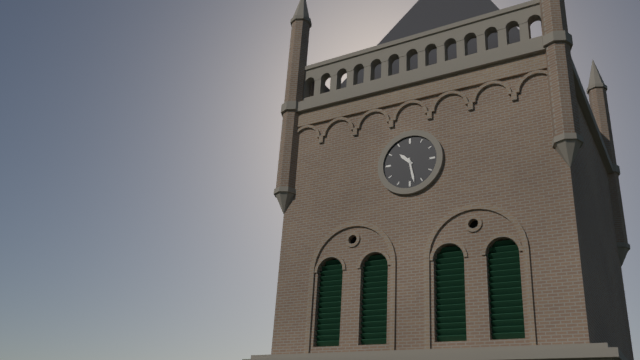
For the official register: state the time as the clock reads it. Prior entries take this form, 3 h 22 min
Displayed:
10 h 28 min
